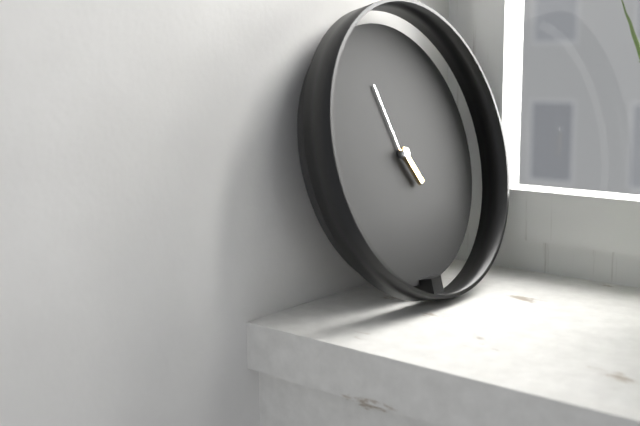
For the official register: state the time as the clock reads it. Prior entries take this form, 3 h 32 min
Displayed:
4 h 57 min
